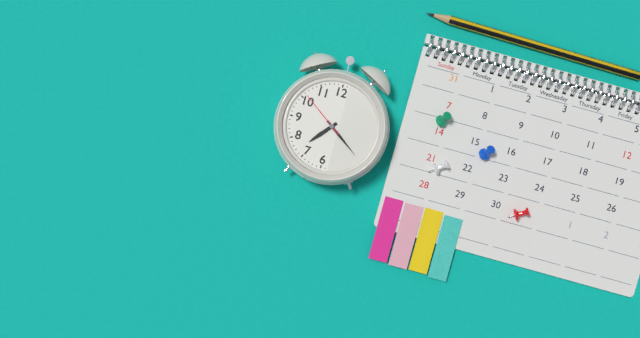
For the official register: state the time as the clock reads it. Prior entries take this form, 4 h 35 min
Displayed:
7 h 21 min
